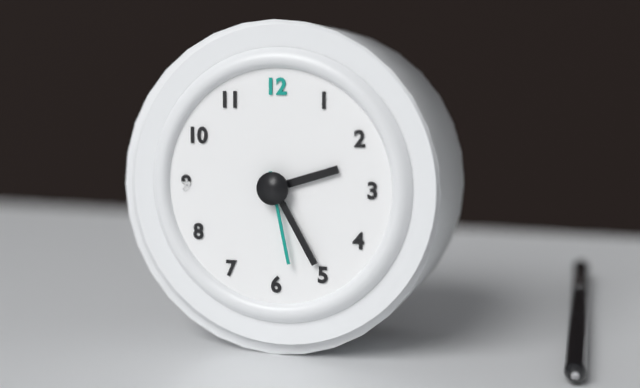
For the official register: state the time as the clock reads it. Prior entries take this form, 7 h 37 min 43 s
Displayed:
2 h 25 min 28 s
